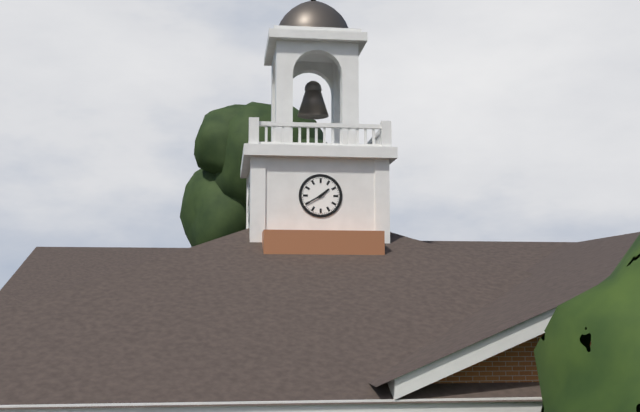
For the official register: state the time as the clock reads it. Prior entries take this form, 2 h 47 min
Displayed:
1 h 40 min
